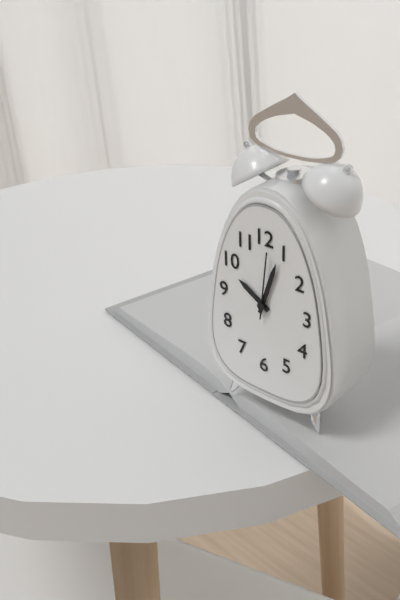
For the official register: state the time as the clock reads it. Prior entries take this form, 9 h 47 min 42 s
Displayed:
10 h 03 min 01 s
